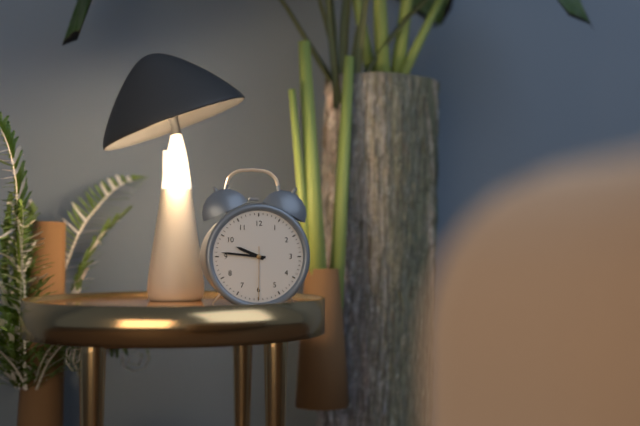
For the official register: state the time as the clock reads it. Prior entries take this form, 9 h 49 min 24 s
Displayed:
9 h 46 min 30 s
